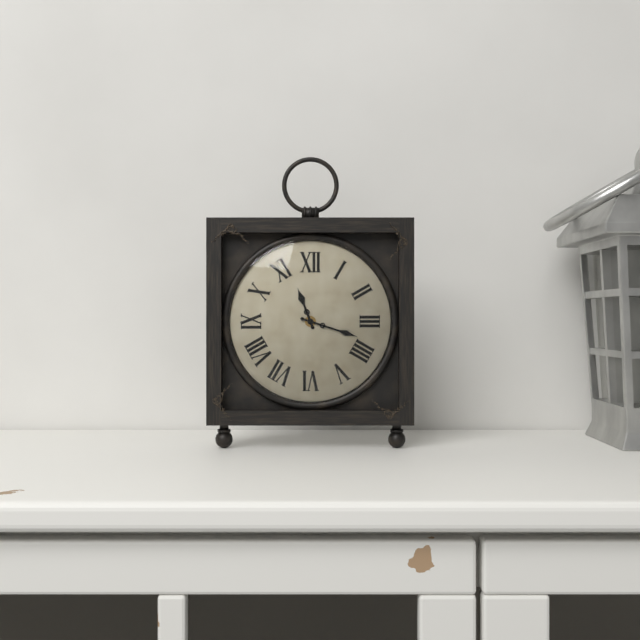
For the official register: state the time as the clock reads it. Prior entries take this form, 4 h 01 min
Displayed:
11 h 18 min
